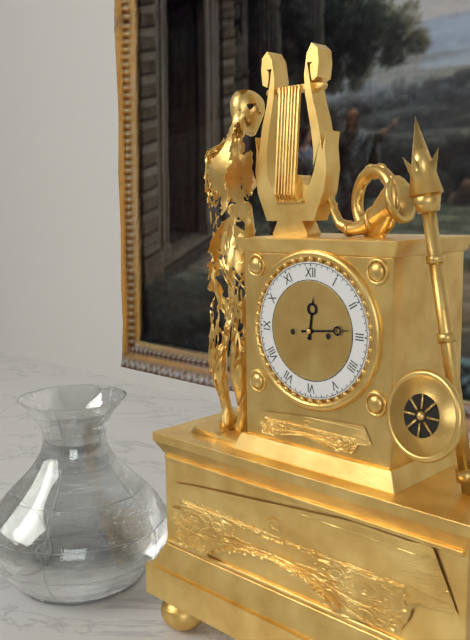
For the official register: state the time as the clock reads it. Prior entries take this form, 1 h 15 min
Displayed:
12 h 14 min
